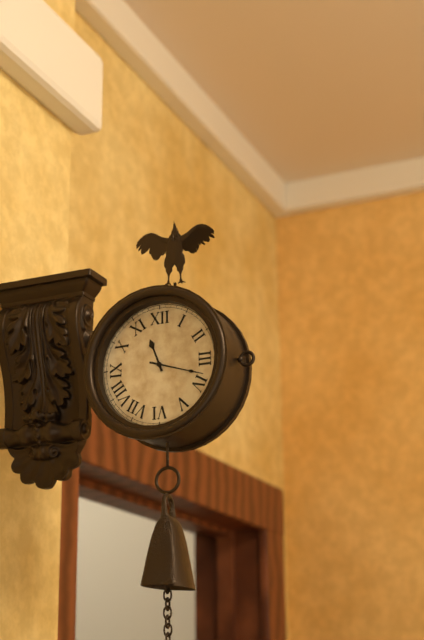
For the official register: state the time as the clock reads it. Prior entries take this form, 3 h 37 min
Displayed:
11 h 18 min
